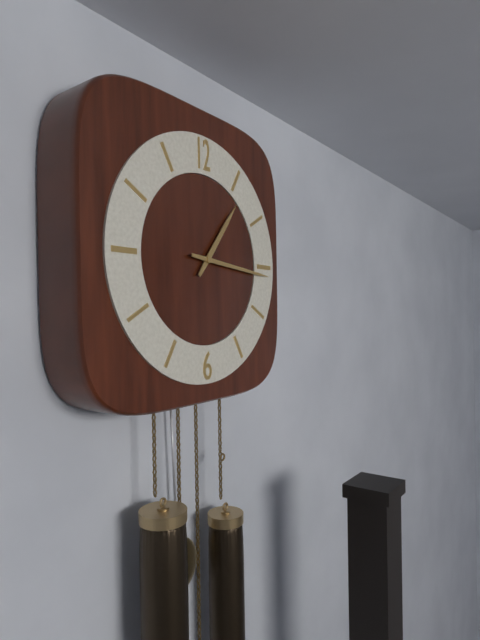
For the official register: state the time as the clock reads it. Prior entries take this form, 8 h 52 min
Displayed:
1 h 16 min
